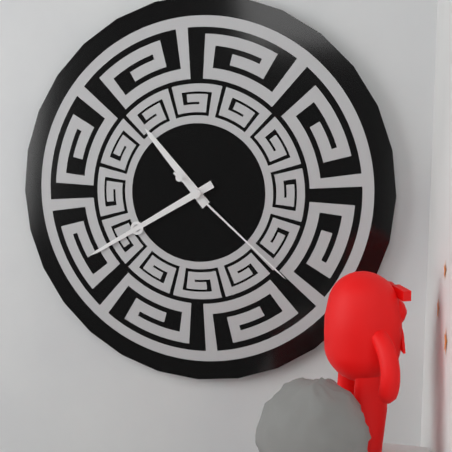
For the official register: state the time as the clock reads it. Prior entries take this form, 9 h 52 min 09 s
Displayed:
10 h 40 min 22 s
